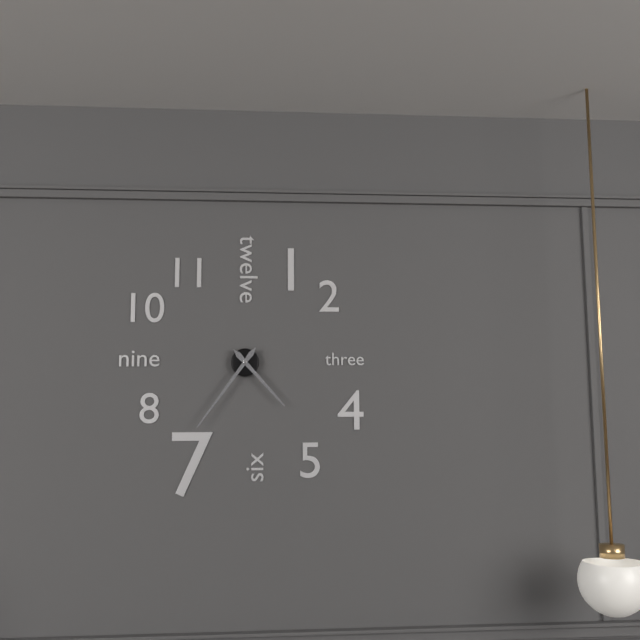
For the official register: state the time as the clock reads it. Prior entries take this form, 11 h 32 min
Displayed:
4 h 36 min
